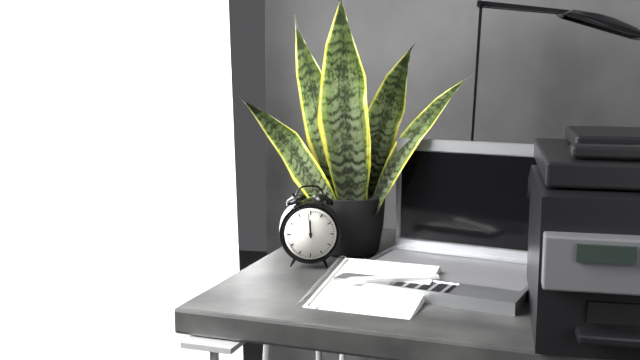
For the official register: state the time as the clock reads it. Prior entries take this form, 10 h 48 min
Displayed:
11 h 59 min
